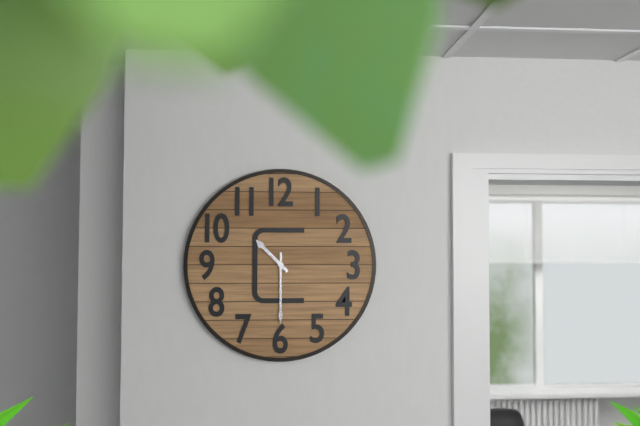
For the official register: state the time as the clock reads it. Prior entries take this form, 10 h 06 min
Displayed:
10 h 30 min
